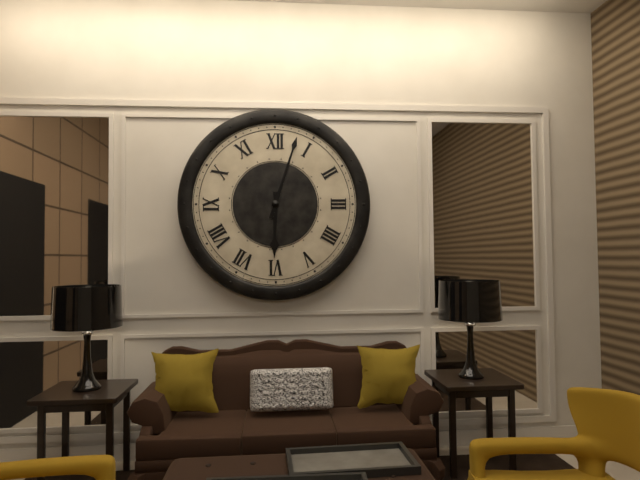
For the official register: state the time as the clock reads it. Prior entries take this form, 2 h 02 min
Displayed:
6 h 03 min
